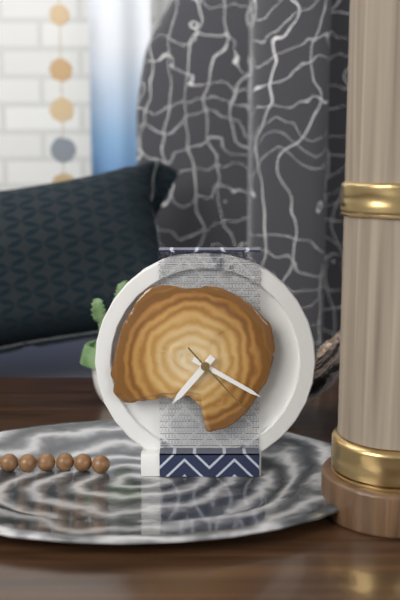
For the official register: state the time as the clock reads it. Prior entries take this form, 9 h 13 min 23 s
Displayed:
7 h 20 min 23 s
